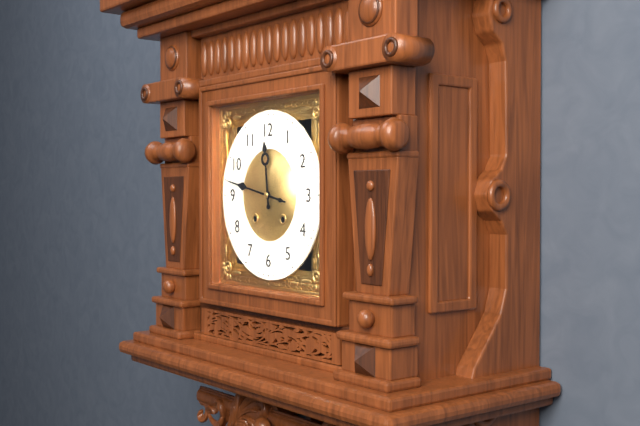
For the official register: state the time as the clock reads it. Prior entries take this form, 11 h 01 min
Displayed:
11 h 47 min
